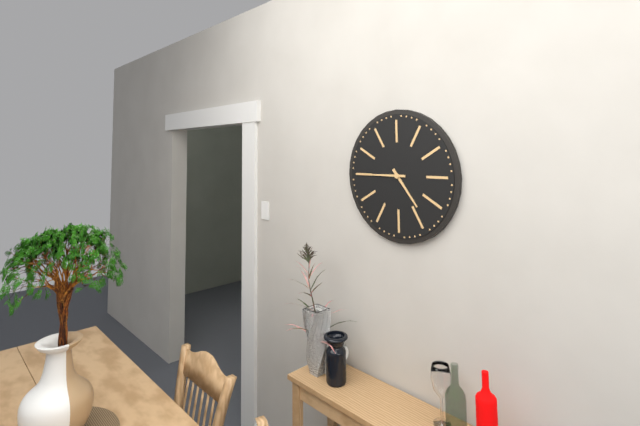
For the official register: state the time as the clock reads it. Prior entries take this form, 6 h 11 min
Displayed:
4 h 45 min
